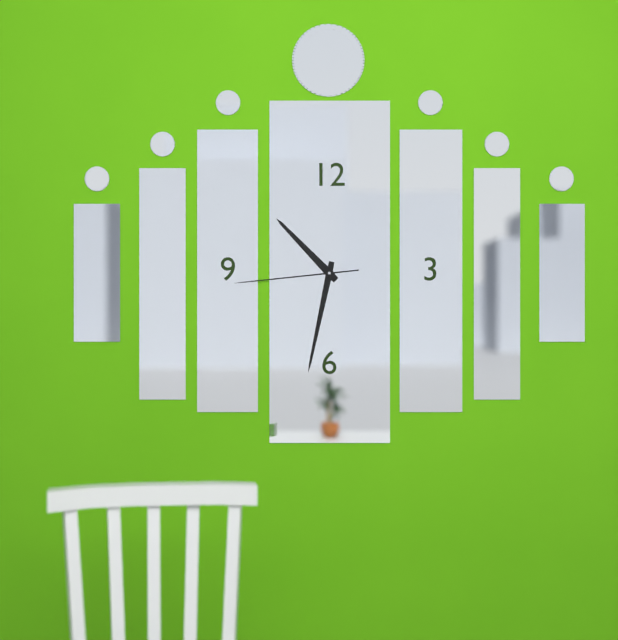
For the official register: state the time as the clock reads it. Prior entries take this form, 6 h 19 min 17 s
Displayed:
10 h 32 min 44 s
